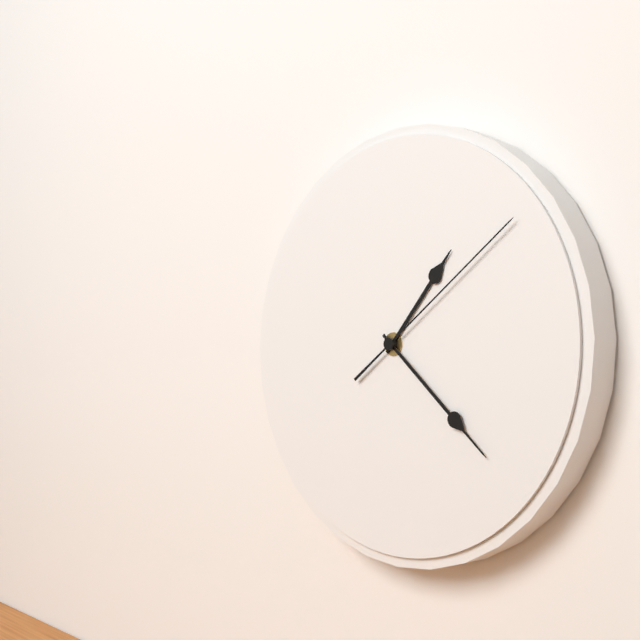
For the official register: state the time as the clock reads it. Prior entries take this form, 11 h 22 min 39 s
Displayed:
1 h 22 min 09 s
